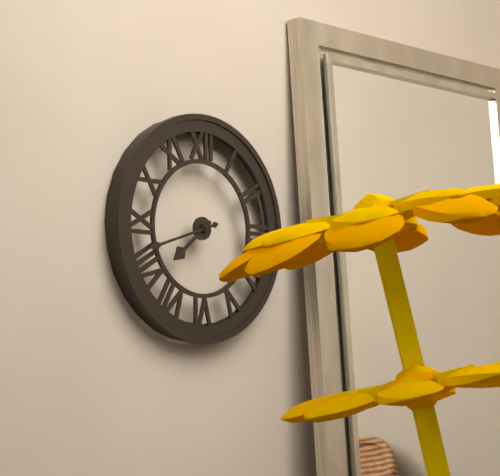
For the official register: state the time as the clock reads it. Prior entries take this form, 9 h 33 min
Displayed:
7 h 42 min
